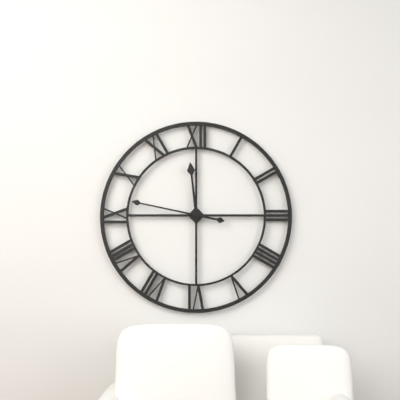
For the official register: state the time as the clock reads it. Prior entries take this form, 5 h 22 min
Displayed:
11 h 47 min
